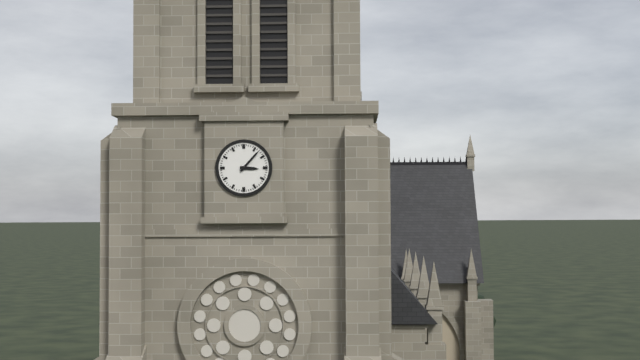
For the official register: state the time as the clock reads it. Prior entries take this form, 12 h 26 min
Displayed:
3 h 07 min
